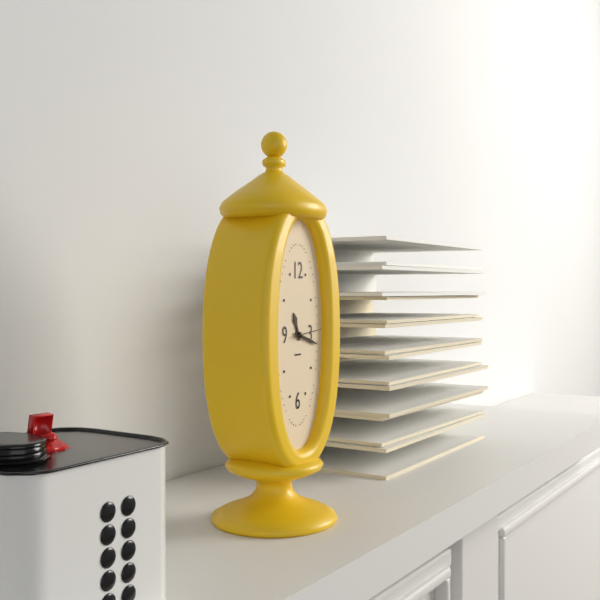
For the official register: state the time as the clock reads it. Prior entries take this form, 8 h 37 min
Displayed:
11 h 18 min
